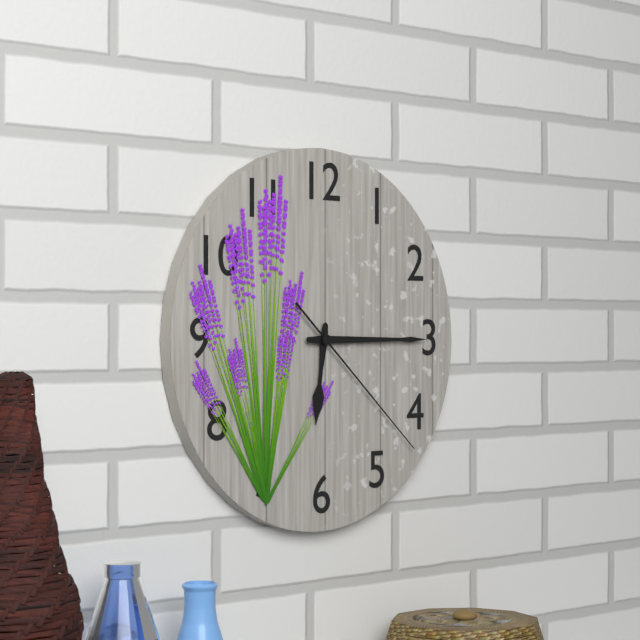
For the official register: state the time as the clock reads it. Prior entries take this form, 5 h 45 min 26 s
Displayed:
6 h 15 min 22 s
